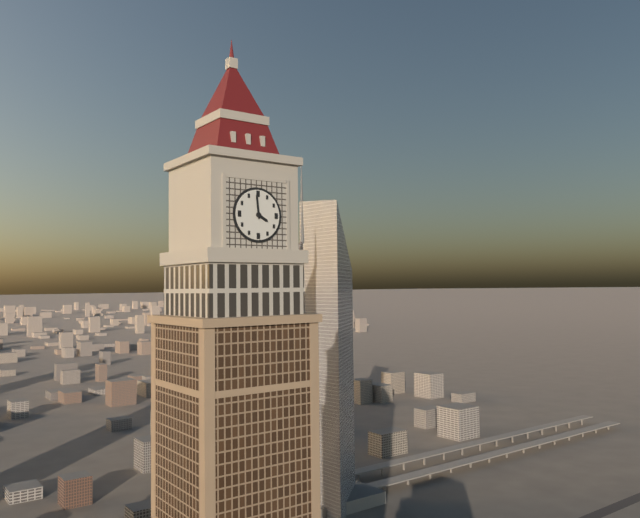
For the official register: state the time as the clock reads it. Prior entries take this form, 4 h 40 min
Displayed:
3 h 59 min
